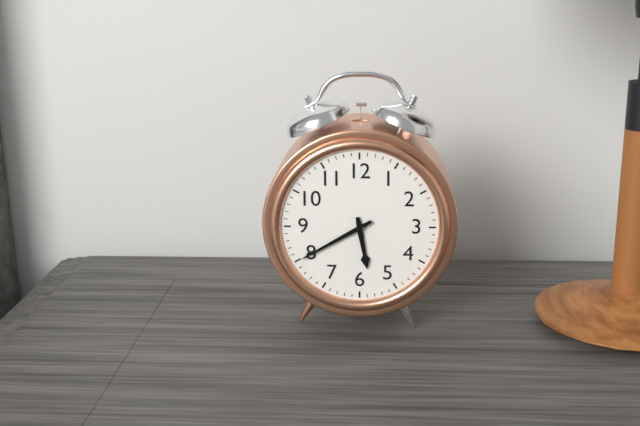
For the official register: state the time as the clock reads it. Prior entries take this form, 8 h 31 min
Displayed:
5 h 40 min
